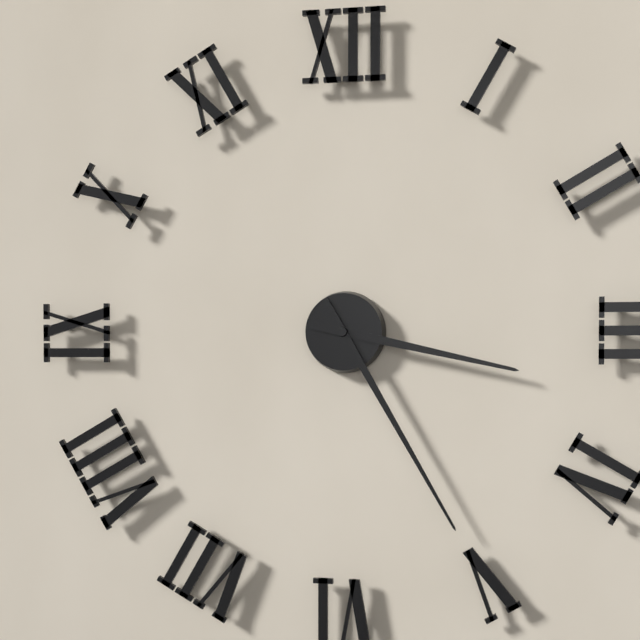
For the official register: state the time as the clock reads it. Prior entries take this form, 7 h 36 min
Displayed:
3 h 25 min
